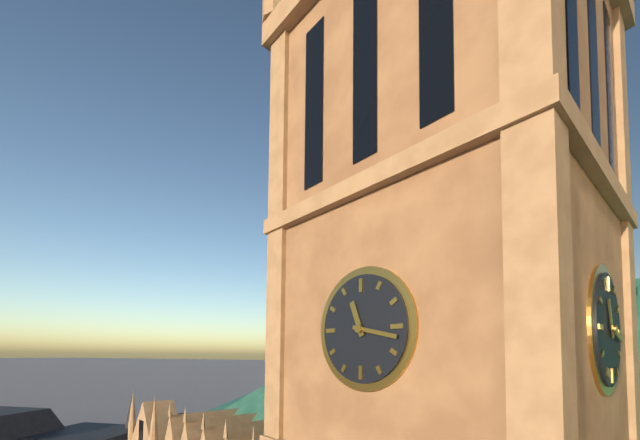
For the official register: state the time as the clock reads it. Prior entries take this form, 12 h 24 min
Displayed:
11 h 17 min
